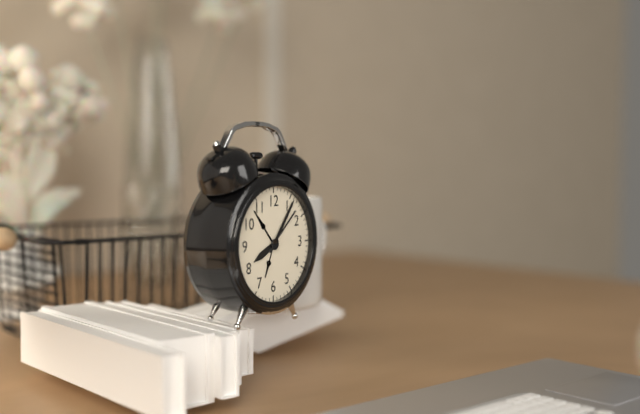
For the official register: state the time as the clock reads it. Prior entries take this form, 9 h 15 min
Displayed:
8 h 06 min
